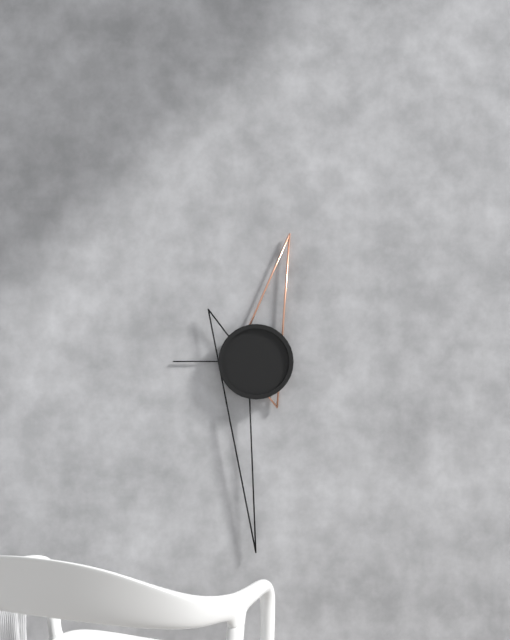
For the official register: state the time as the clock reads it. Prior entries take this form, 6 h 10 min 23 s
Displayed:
12 h 30 min 45 s
